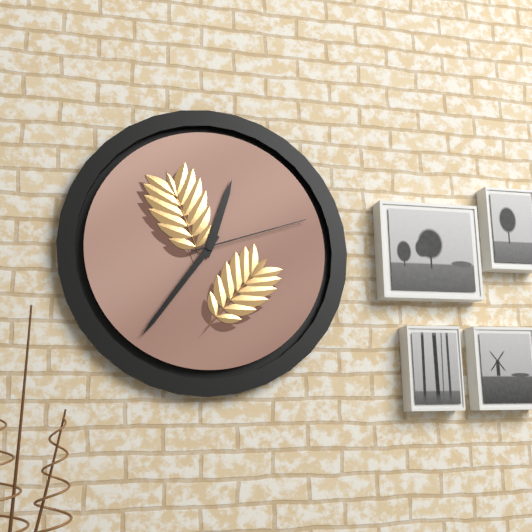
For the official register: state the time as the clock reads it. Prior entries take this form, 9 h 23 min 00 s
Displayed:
12 h 36 min 12 s
